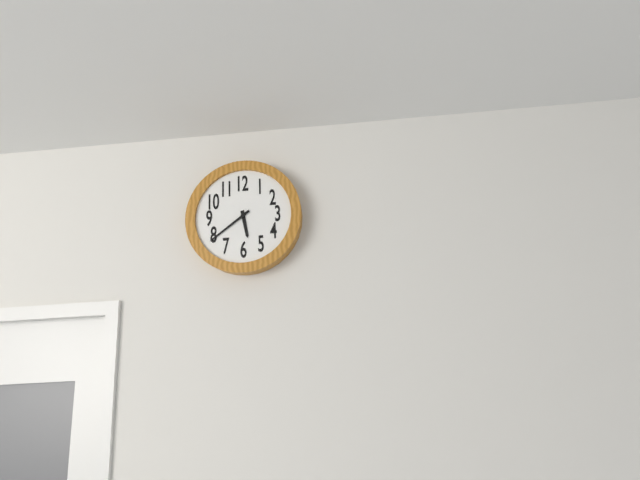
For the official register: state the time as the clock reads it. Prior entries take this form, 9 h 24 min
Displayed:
5 h 39 min
